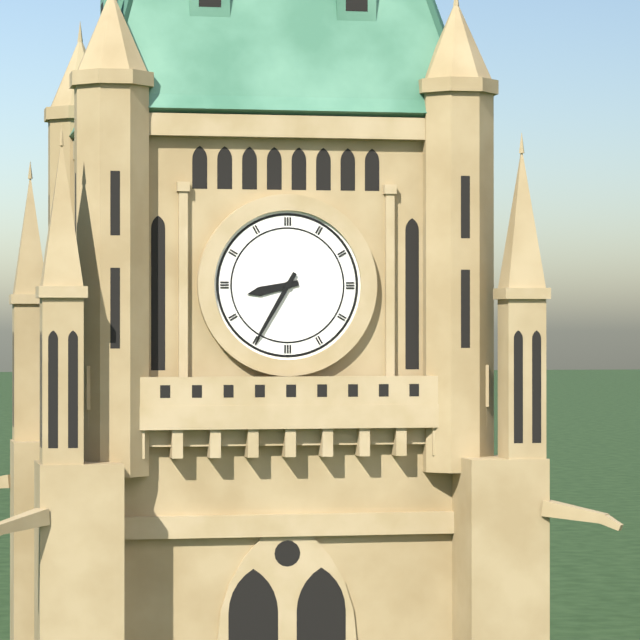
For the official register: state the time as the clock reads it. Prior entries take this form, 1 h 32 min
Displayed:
8 h 35 min
